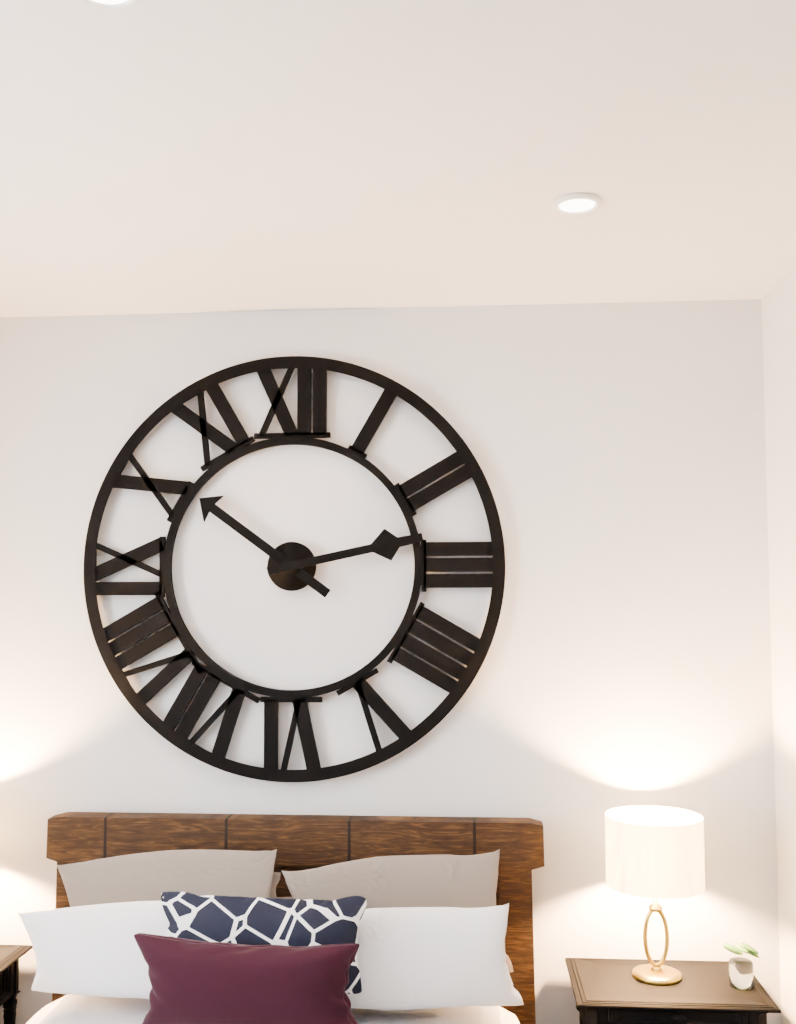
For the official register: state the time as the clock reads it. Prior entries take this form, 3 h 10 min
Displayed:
10 h 13 min
